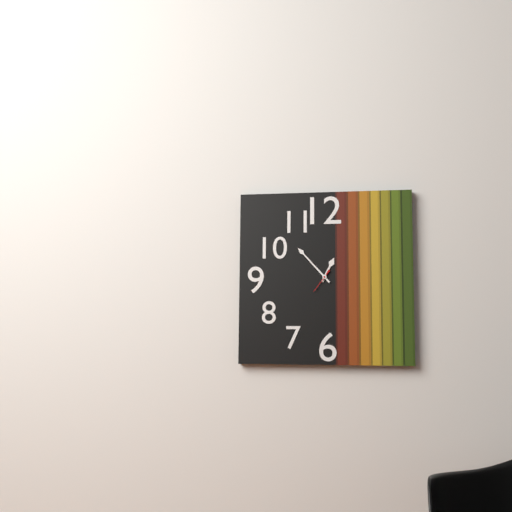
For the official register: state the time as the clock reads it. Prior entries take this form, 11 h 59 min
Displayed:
12 h 53 min
